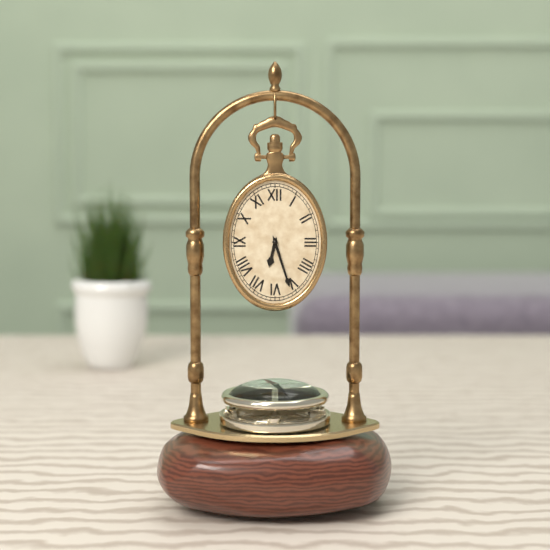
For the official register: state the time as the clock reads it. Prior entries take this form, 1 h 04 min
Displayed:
6 h 27 min
